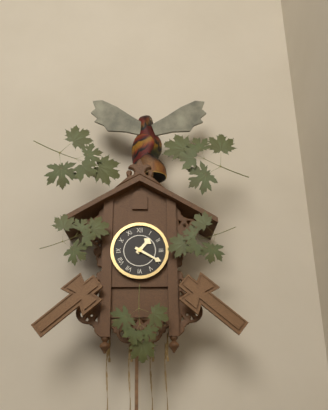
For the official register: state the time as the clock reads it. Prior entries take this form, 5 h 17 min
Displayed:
1 h 20 min
